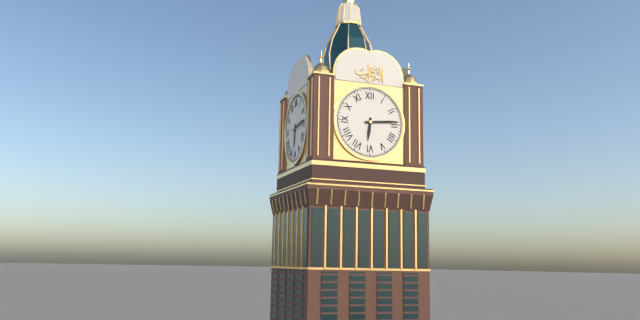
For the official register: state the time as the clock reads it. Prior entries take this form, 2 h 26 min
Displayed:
6 h 14 min
